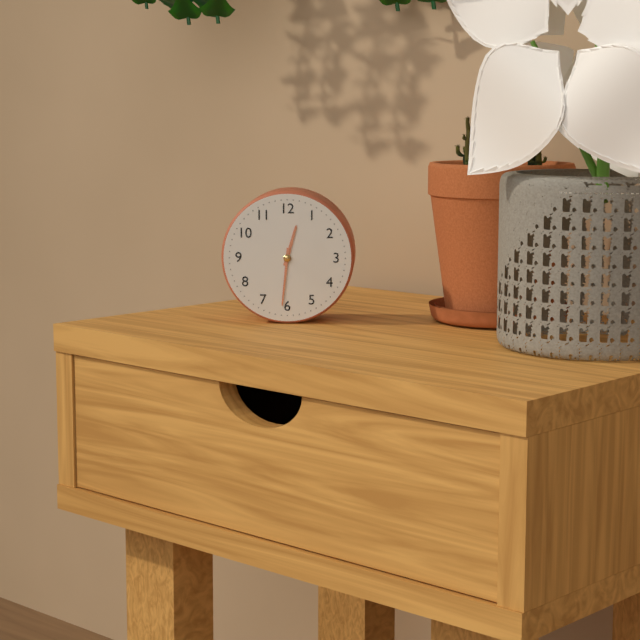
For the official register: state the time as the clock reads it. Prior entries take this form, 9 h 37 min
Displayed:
12 h 31 min
